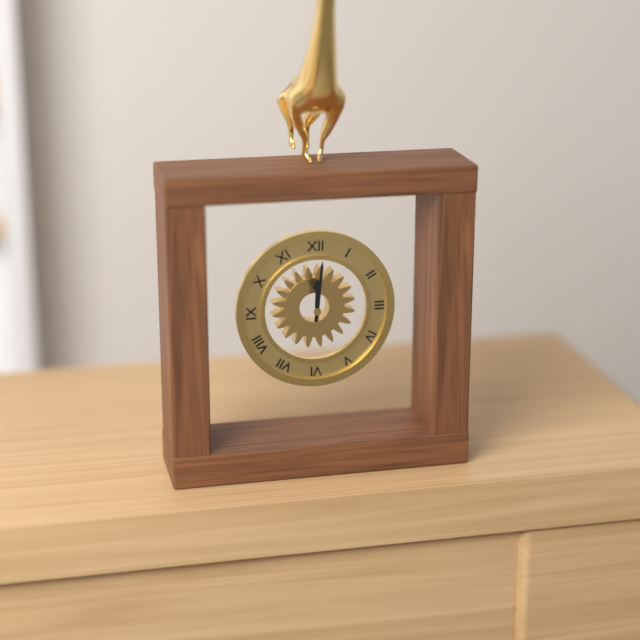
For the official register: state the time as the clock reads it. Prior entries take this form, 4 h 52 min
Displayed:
12 h 01 min
